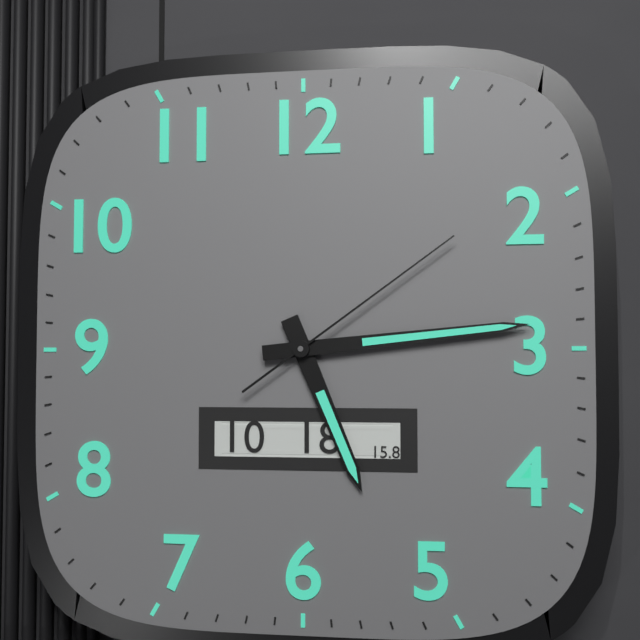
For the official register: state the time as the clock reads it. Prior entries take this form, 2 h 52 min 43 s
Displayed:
5 h 14 min 09 s
